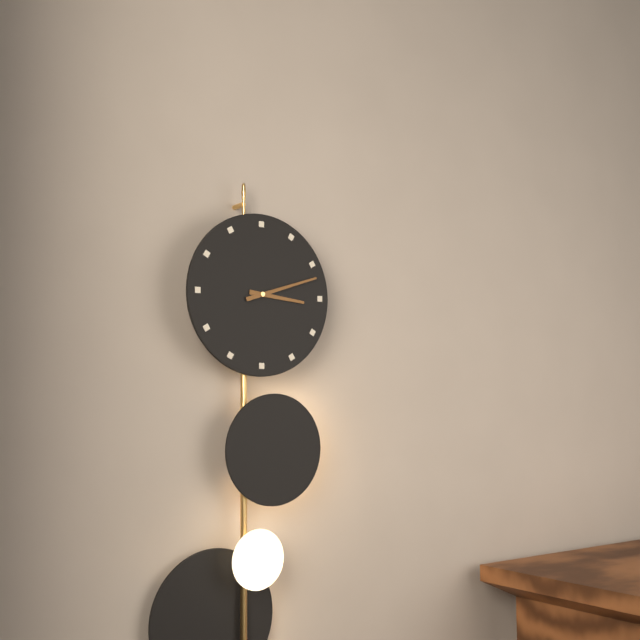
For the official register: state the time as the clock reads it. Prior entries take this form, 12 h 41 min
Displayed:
3 h 12 min
